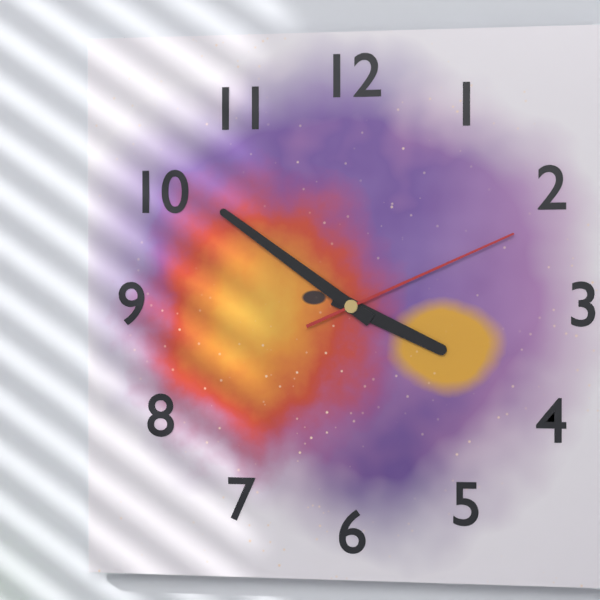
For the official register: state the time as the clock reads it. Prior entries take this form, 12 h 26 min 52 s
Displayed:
3 h 51 min 11 s
